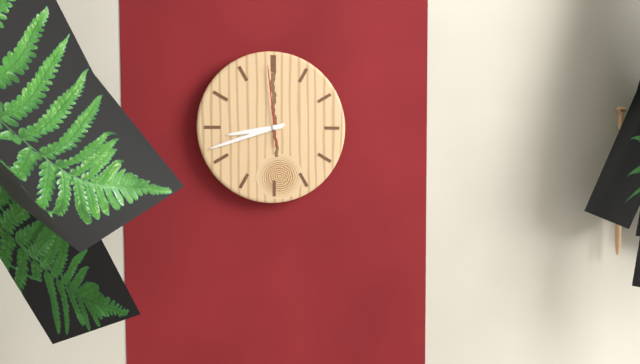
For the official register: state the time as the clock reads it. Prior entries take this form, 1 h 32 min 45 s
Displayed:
8 h 42 min 59 s
